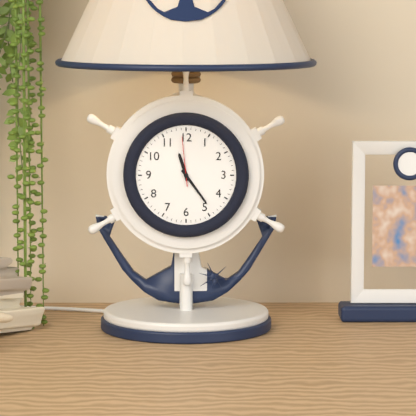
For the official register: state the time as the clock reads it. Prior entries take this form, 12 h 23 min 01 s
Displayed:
11 h 24 min 59 s
